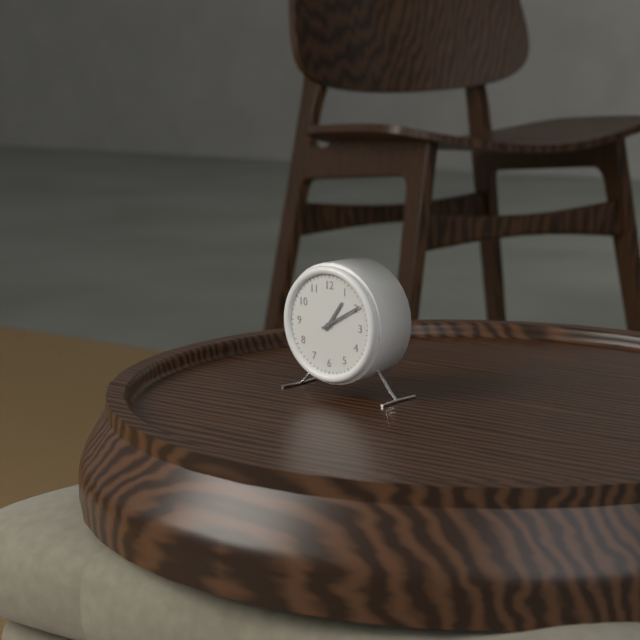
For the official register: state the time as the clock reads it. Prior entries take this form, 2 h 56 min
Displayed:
1 h 10 min
